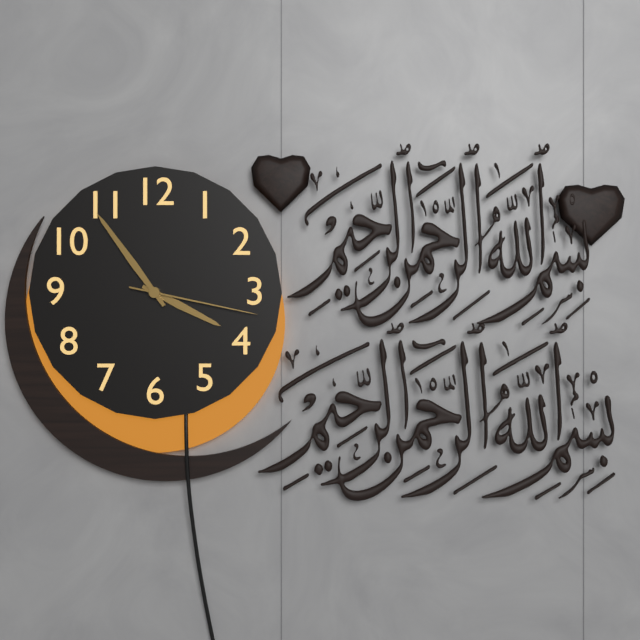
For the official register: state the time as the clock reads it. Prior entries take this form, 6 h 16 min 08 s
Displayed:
3 h 54 min 17 s
